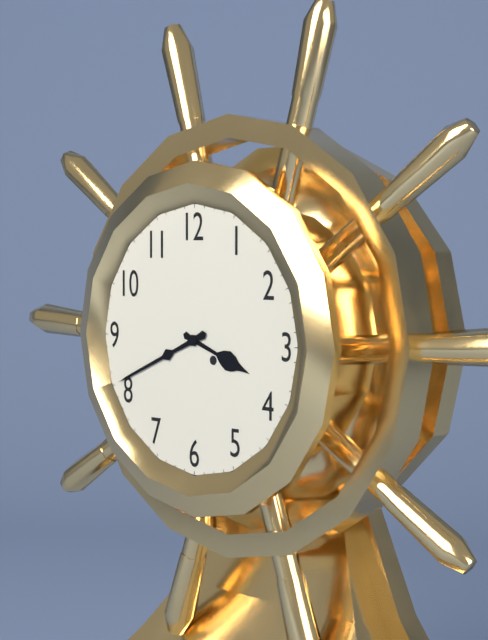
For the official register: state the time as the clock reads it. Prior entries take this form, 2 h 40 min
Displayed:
3 h 41 min
